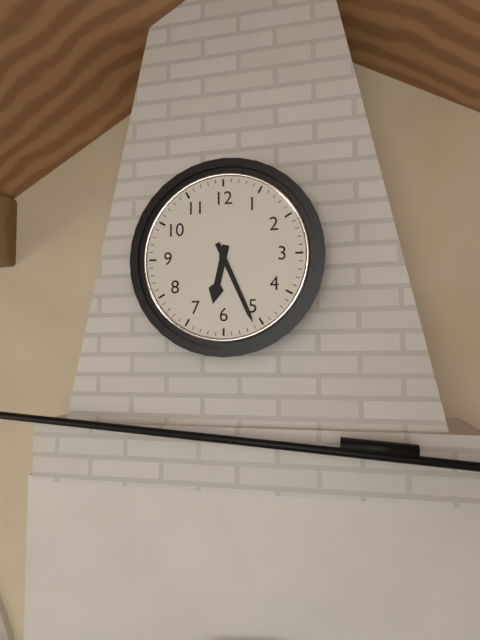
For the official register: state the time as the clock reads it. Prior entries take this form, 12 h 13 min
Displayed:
6 h 26 min
